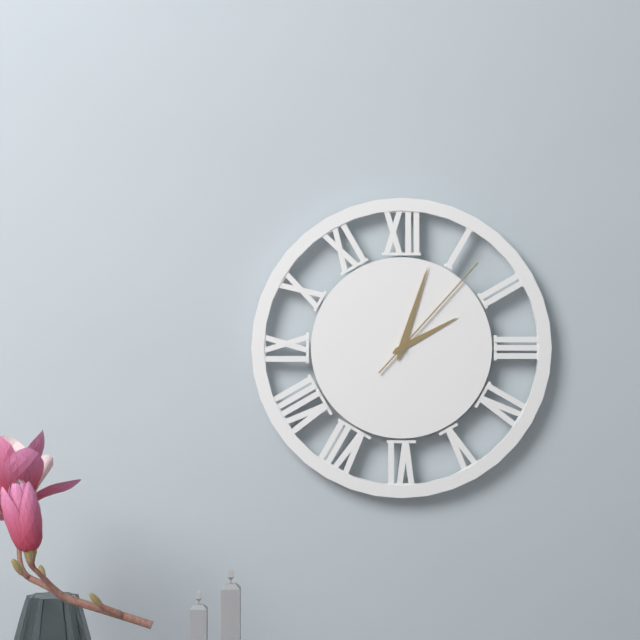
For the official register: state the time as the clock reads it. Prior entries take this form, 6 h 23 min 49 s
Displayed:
2 h 03 min 07 s
